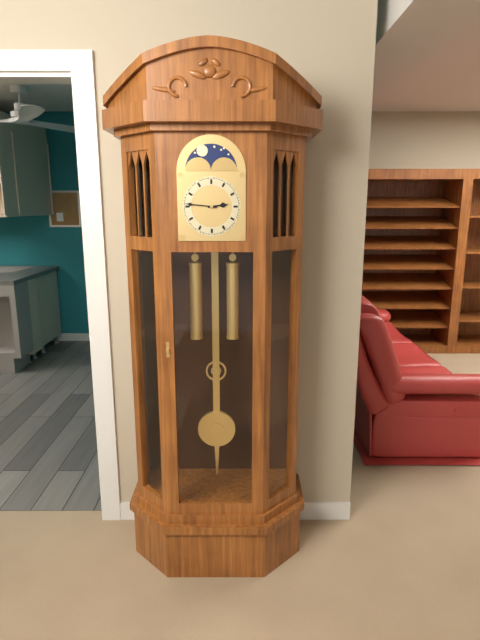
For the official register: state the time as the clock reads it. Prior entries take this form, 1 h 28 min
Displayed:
2 h 46 min
